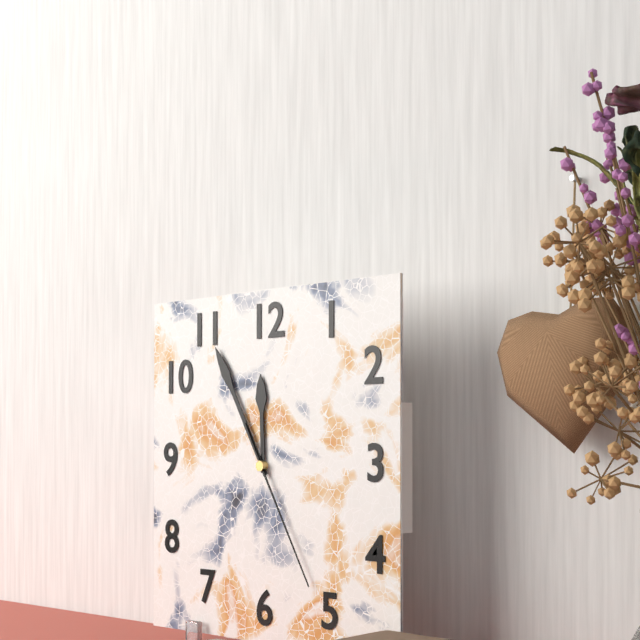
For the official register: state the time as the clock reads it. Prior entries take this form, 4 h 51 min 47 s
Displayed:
11 h 55 min 25 s
